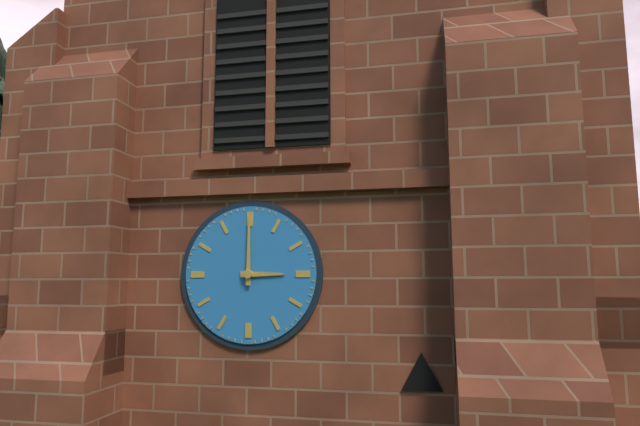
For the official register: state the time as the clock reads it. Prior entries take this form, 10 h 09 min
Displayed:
3 h 00 min
